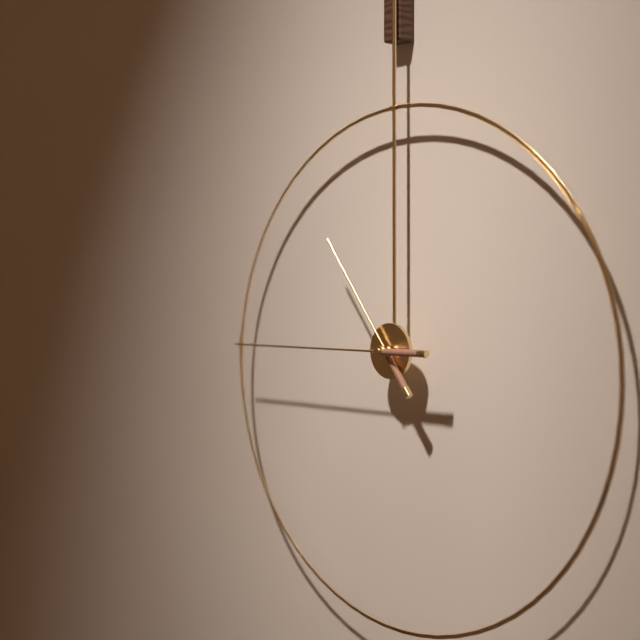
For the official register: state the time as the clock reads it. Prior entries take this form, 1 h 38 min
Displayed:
10 h 45 min
